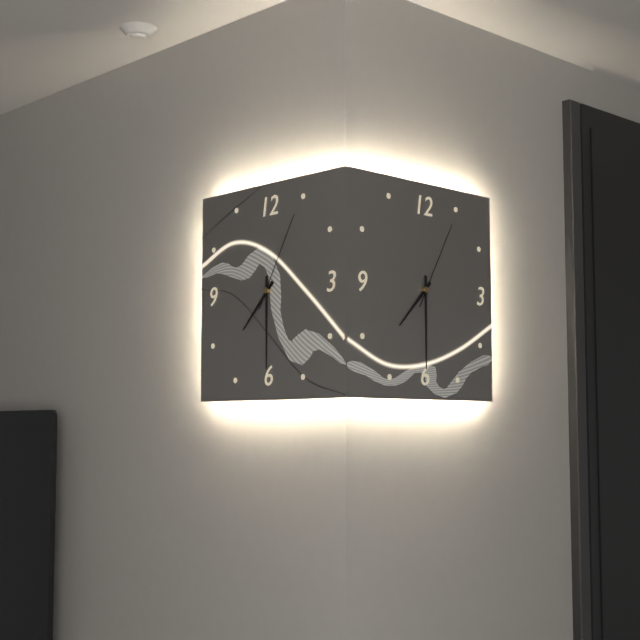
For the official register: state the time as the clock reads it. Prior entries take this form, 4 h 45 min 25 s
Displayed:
7 h 30 min 05 s
